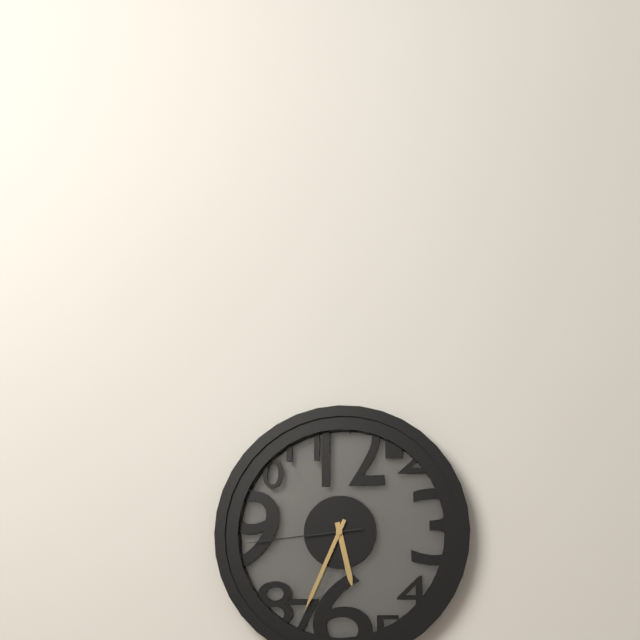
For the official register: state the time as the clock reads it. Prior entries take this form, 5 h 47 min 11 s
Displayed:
5 h 34 min 44 s
